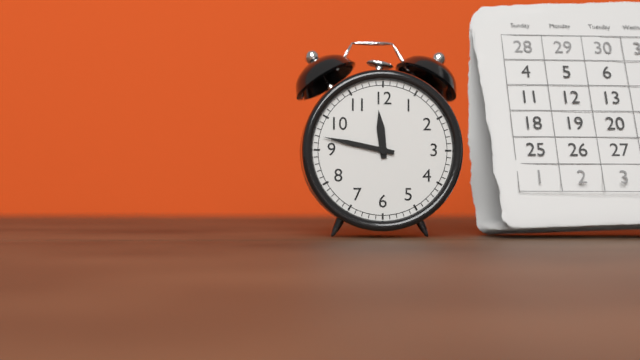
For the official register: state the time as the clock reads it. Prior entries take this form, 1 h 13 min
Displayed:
11 h 47 min
